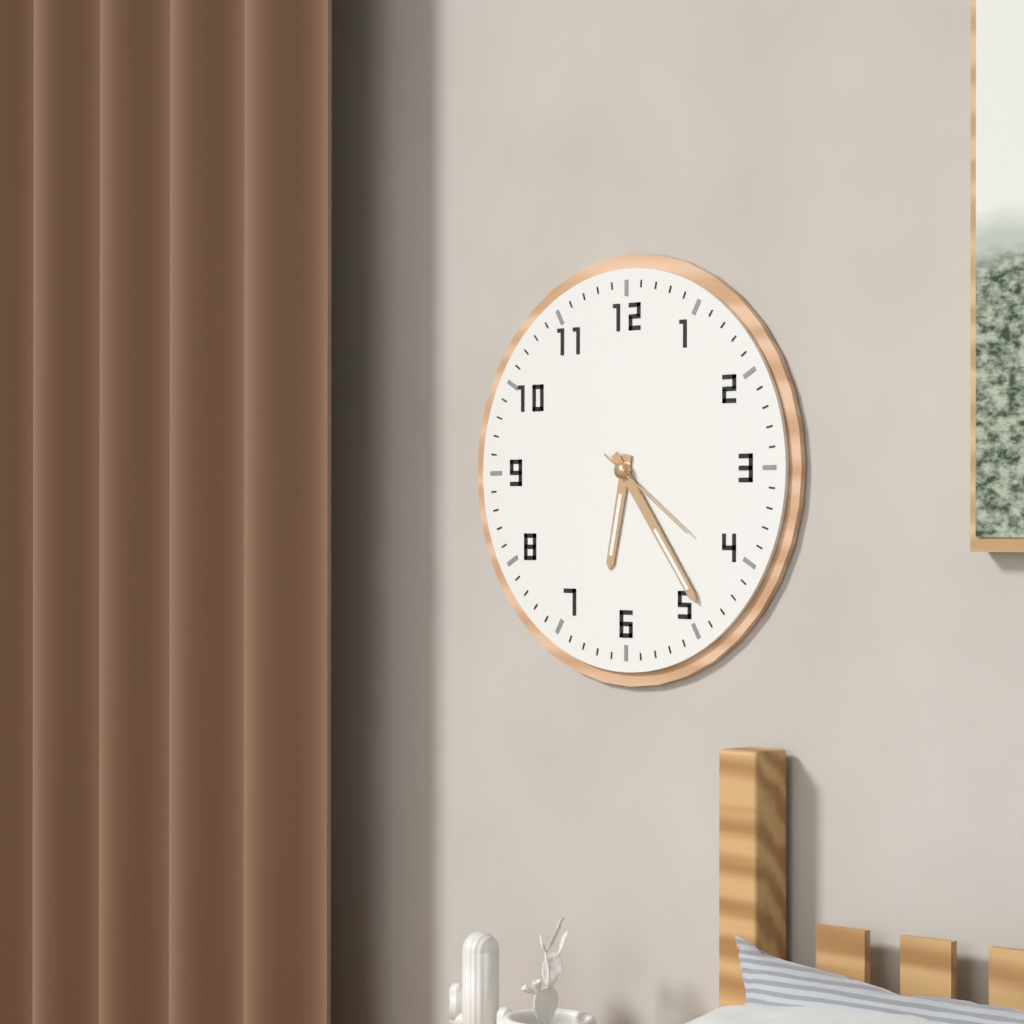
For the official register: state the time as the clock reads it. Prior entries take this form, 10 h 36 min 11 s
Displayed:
6 h 24 min 21 s
